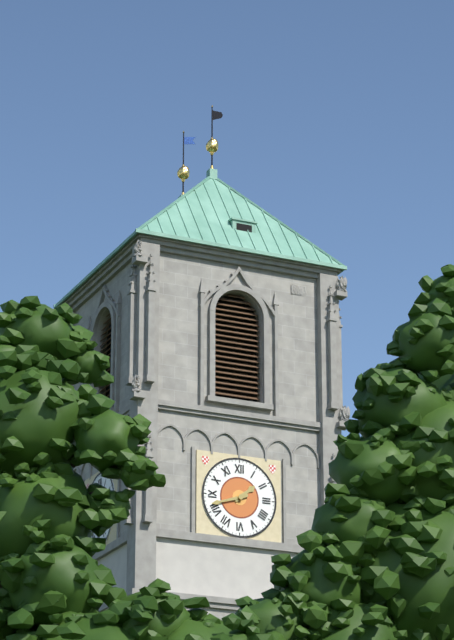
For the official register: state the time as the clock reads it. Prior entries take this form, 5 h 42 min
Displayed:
1 h 42 min
